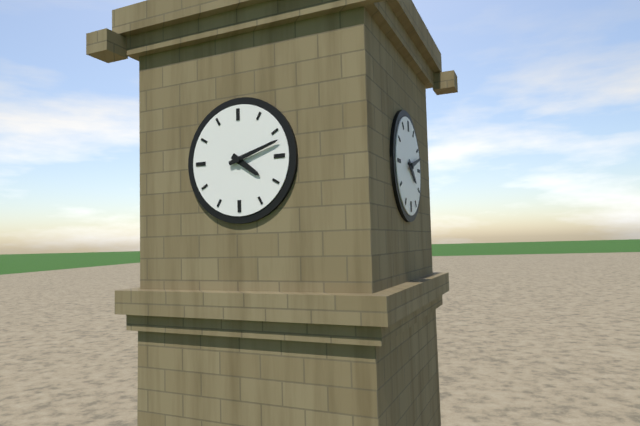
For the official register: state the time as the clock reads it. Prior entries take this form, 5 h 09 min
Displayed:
4 h 12 min
